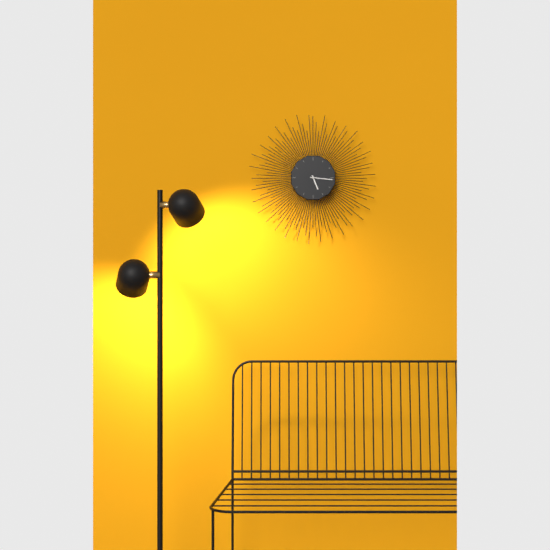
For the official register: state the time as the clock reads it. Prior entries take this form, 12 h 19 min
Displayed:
5 h 16 min
